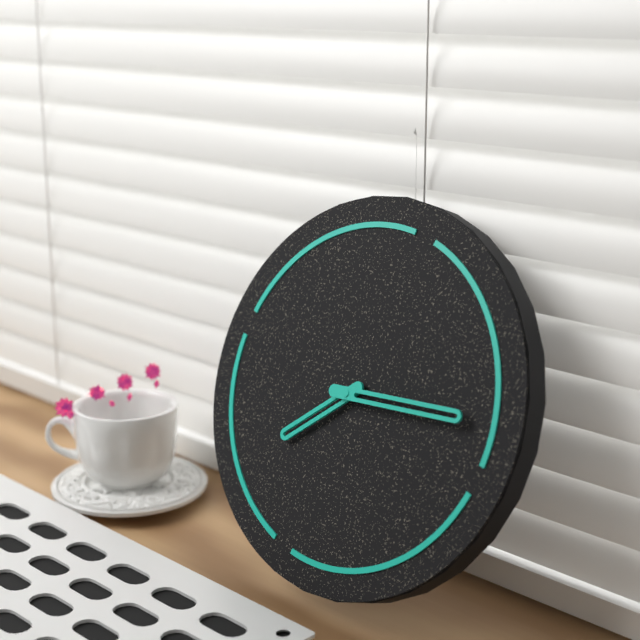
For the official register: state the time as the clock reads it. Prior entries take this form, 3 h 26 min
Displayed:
7 h 12 min
